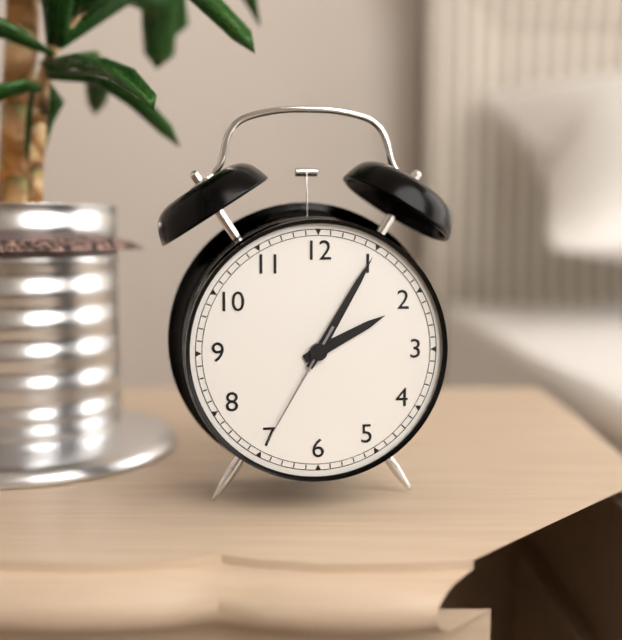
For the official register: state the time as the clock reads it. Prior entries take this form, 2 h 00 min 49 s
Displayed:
2 h 05 min 35 s
